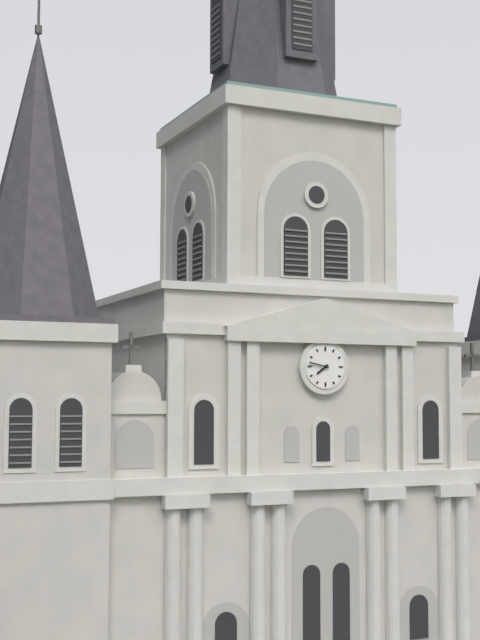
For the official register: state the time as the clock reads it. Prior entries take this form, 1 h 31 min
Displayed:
7 h 47 min
